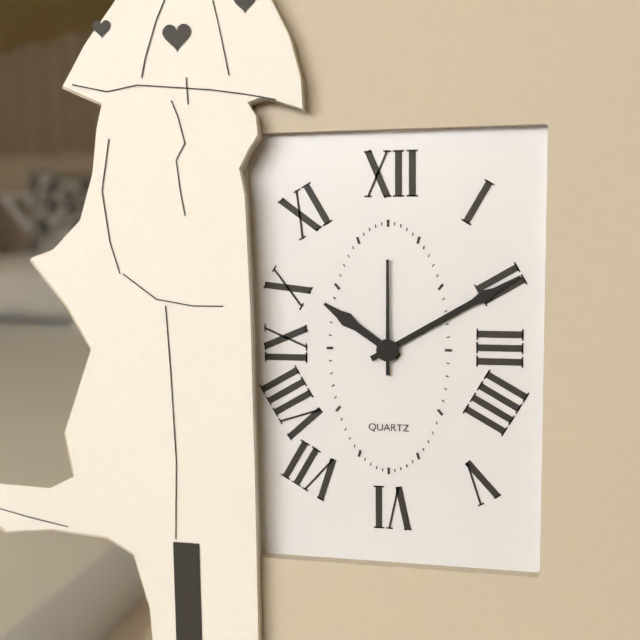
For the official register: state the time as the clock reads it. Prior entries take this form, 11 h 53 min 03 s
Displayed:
10 h 10 min 00 s
